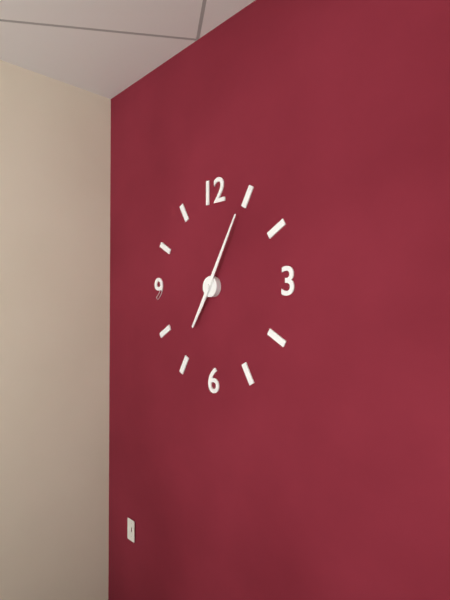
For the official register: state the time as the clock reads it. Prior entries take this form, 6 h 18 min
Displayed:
7 h 05 min
